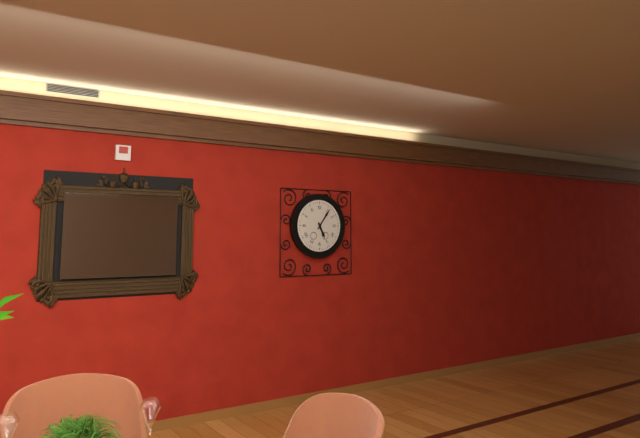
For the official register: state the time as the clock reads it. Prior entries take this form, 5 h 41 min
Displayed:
5 h 06 min
